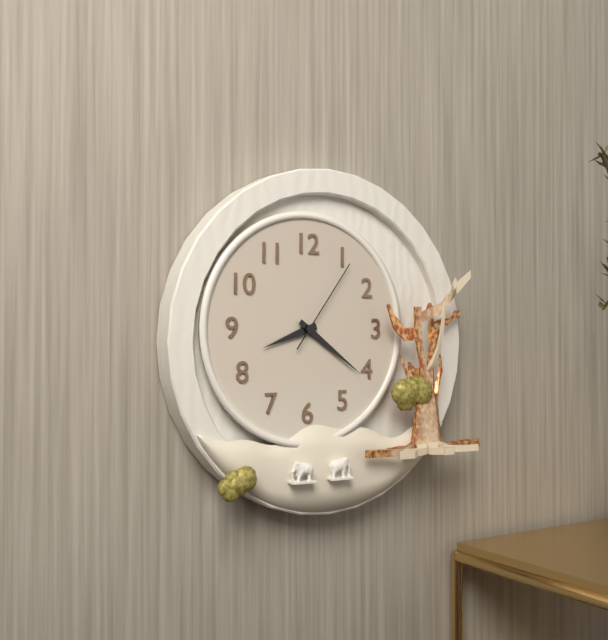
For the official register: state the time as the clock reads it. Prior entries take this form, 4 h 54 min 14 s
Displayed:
8 h 21 min 06 s
